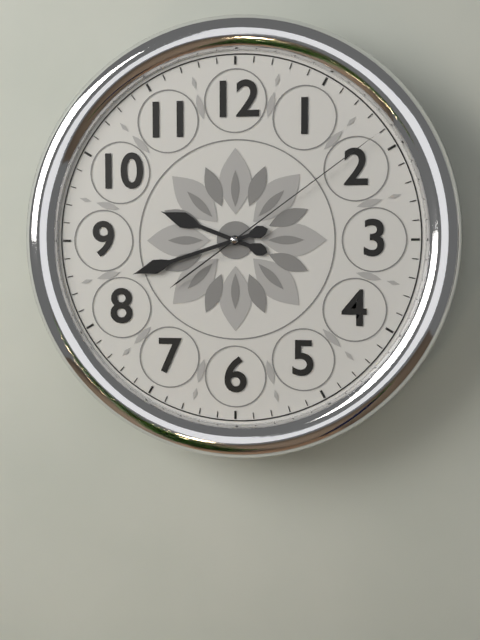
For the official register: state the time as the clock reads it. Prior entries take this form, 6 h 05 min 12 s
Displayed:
9 h 42 min 09 s
